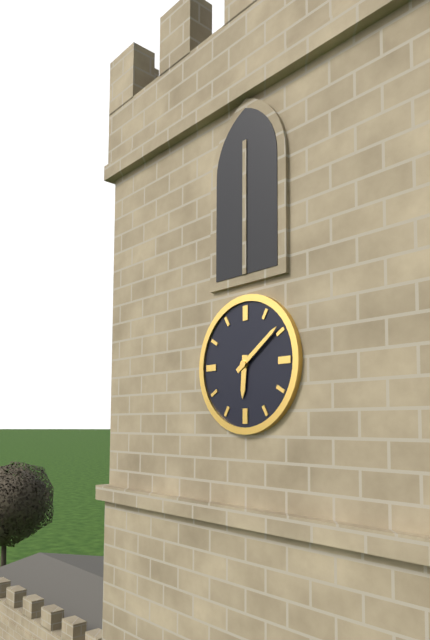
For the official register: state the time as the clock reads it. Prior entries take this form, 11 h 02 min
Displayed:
6 h 09 min
